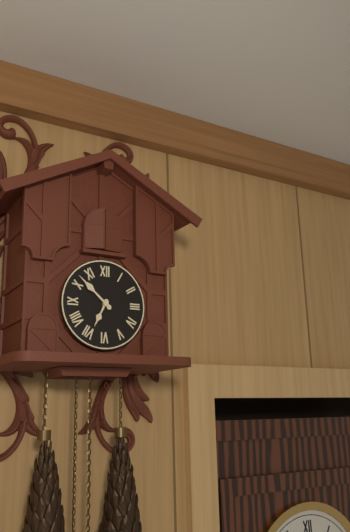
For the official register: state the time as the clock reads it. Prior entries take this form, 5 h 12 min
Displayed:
6 h 52 min
